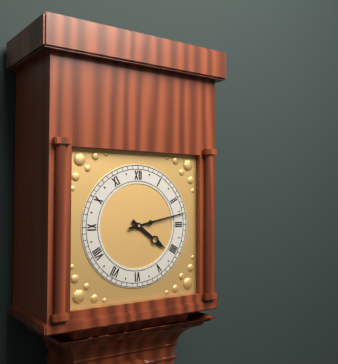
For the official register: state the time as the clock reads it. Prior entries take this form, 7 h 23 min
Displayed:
4 h 13 min
